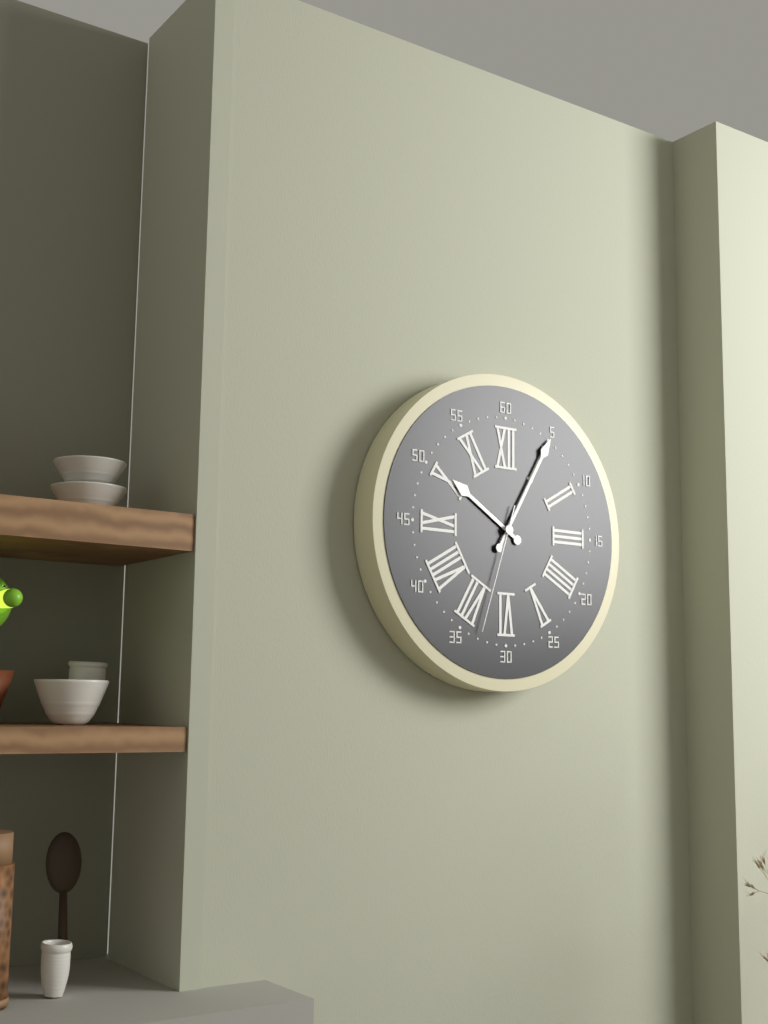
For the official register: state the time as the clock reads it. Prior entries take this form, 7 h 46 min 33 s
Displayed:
10 h 05 min 33 s
